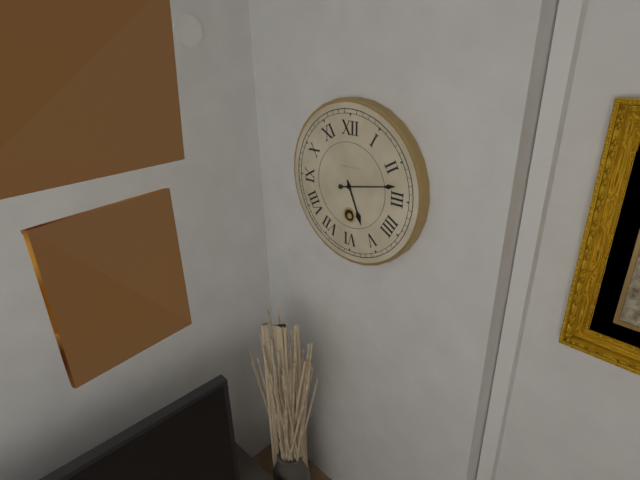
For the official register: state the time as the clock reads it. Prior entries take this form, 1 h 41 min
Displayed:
5 h 13 min
